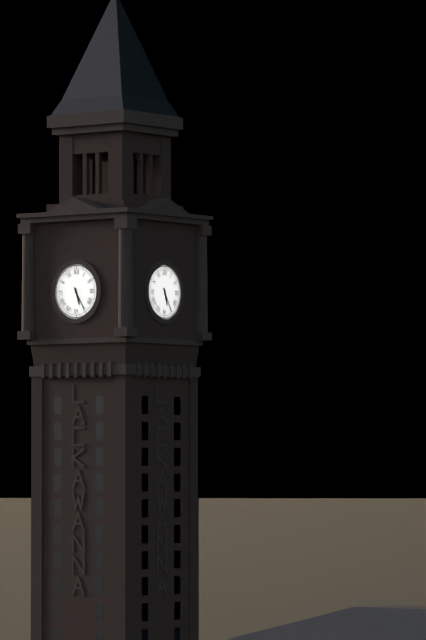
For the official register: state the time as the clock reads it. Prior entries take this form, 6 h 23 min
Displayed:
5 h 25 min
